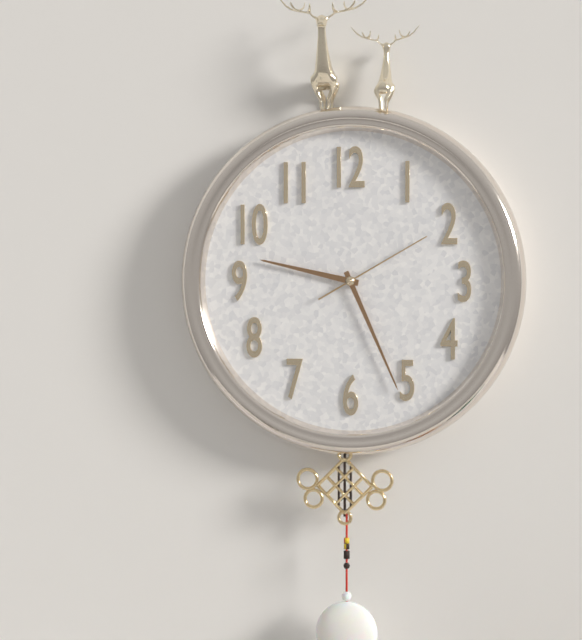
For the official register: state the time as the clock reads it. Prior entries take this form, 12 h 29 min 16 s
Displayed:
9 h 26 min 10 s
